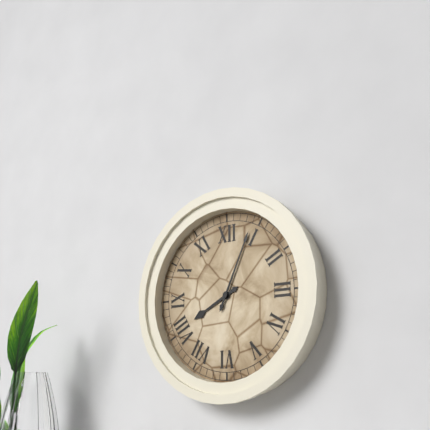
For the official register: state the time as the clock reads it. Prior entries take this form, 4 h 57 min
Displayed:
8 h 04 min
